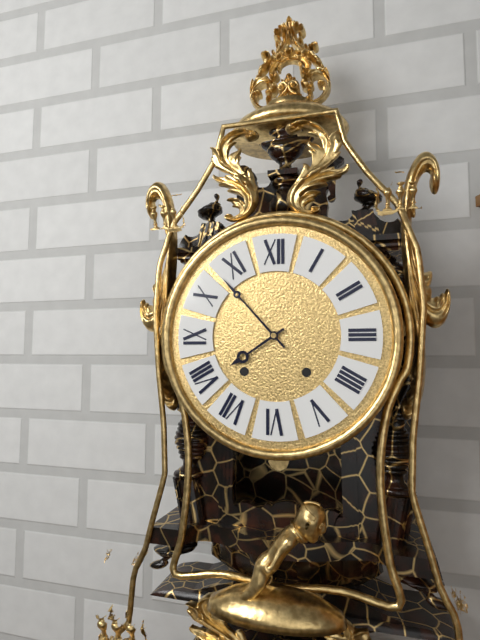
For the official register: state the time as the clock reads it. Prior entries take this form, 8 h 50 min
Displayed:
7 h 53 min
